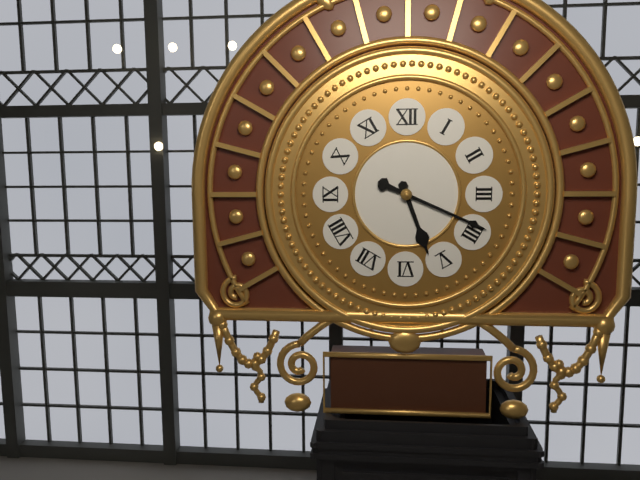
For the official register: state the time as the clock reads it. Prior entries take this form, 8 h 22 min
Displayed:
5 h 19 min
